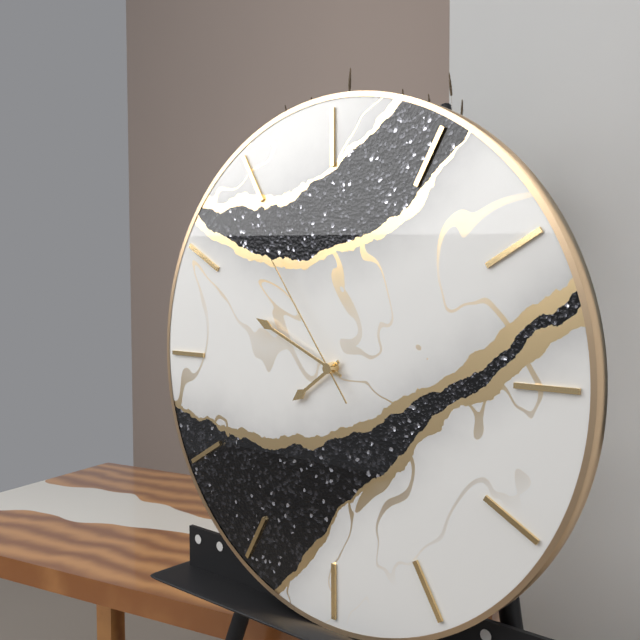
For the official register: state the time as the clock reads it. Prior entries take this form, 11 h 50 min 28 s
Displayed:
7 h 49 min 54 s
